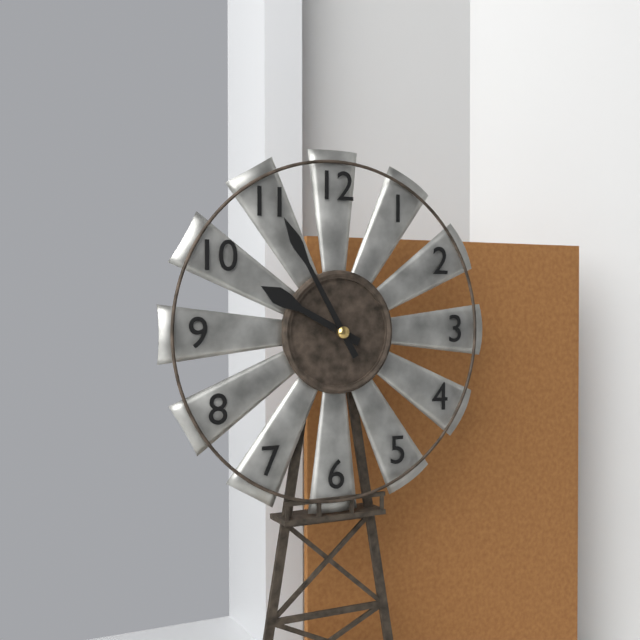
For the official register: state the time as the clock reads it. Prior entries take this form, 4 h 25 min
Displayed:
9 h 55 min
